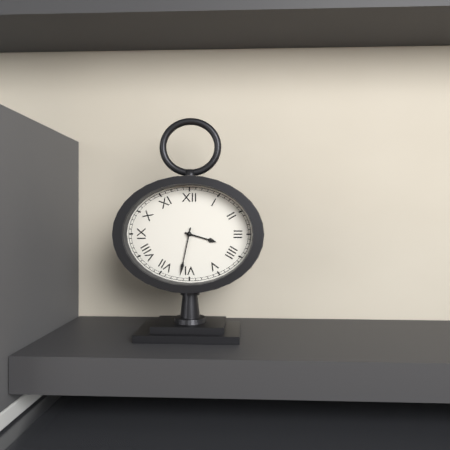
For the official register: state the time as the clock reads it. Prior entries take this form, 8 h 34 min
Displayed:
3 h 32 min
